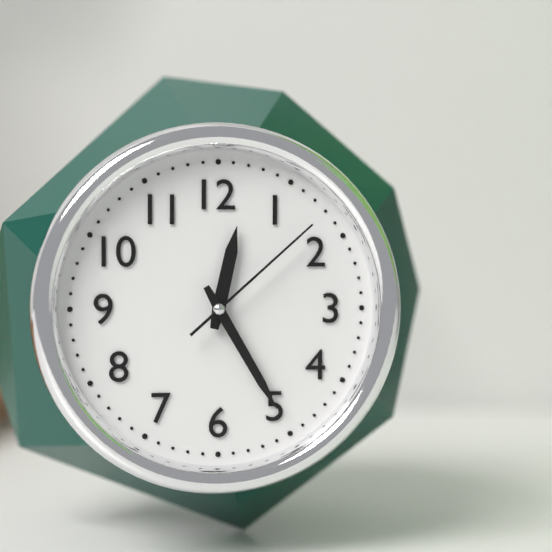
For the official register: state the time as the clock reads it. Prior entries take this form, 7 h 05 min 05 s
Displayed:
12 h 25 min 08 s
